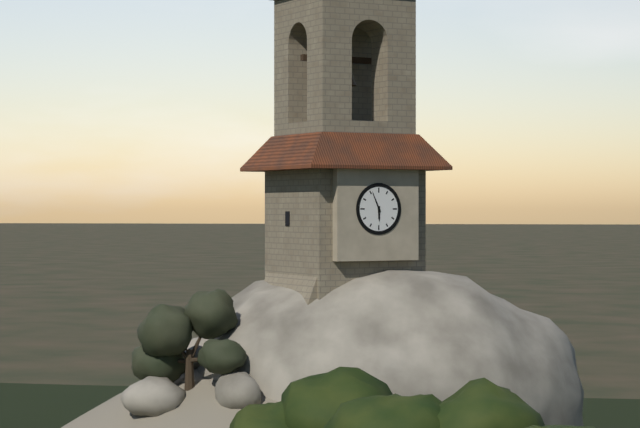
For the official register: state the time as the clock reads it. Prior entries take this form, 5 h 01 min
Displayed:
5 h 56 min
